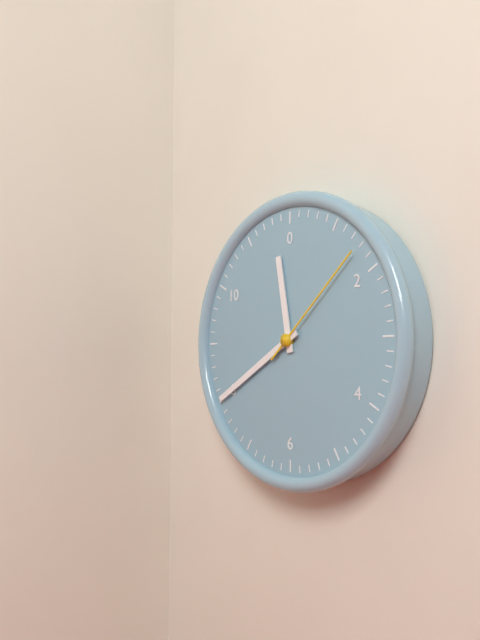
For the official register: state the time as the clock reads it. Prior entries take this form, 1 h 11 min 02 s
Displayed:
11 h 40 min 08 s
